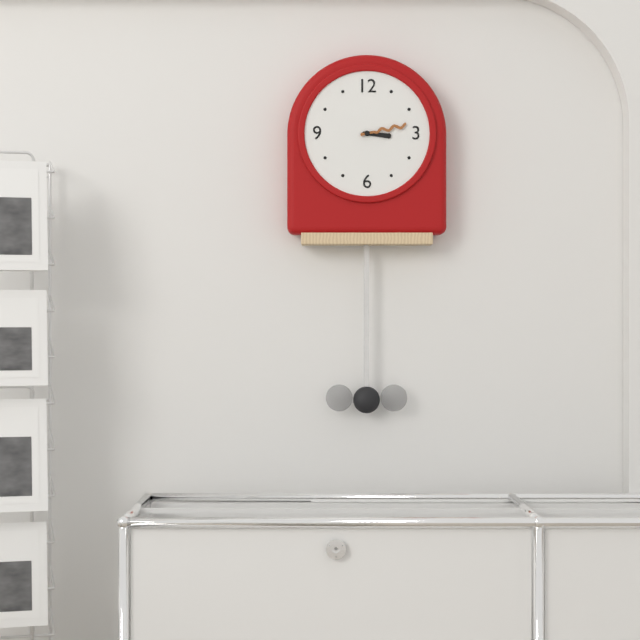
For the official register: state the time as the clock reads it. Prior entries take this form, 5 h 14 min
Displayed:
3 h 13 min
